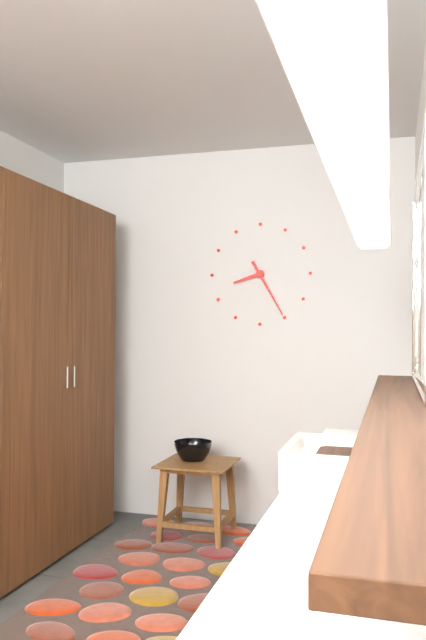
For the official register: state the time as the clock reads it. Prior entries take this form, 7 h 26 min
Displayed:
8 h 25 min
